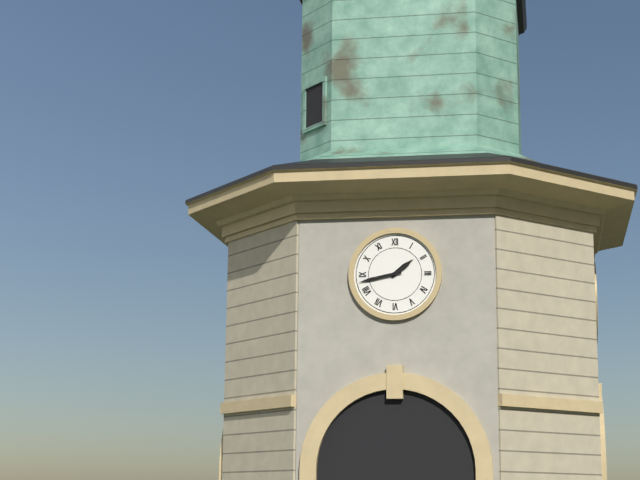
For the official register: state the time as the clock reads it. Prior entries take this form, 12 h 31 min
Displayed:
1 h 43 min
